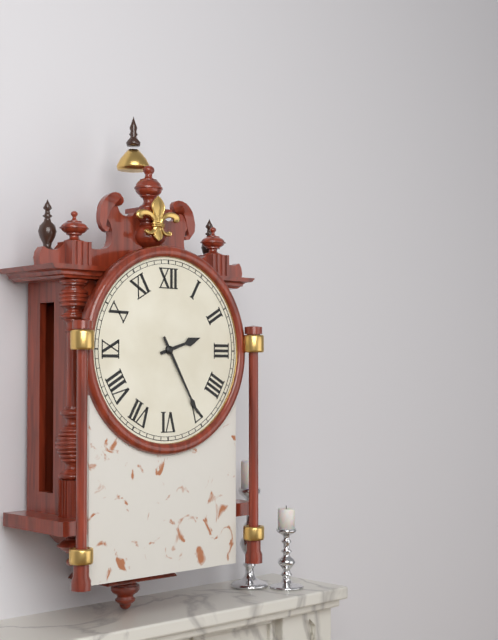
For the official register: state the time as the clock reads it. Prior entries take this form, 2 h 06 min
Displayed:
2 h 25 min
